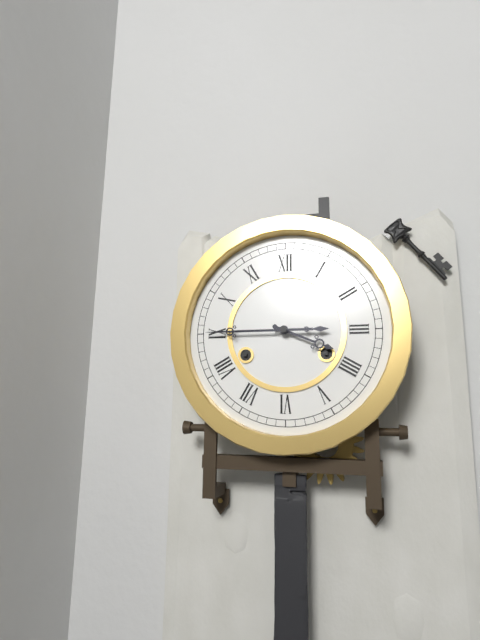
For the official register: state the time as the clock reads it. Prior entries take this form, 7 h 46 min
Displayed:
3 h 45 min
